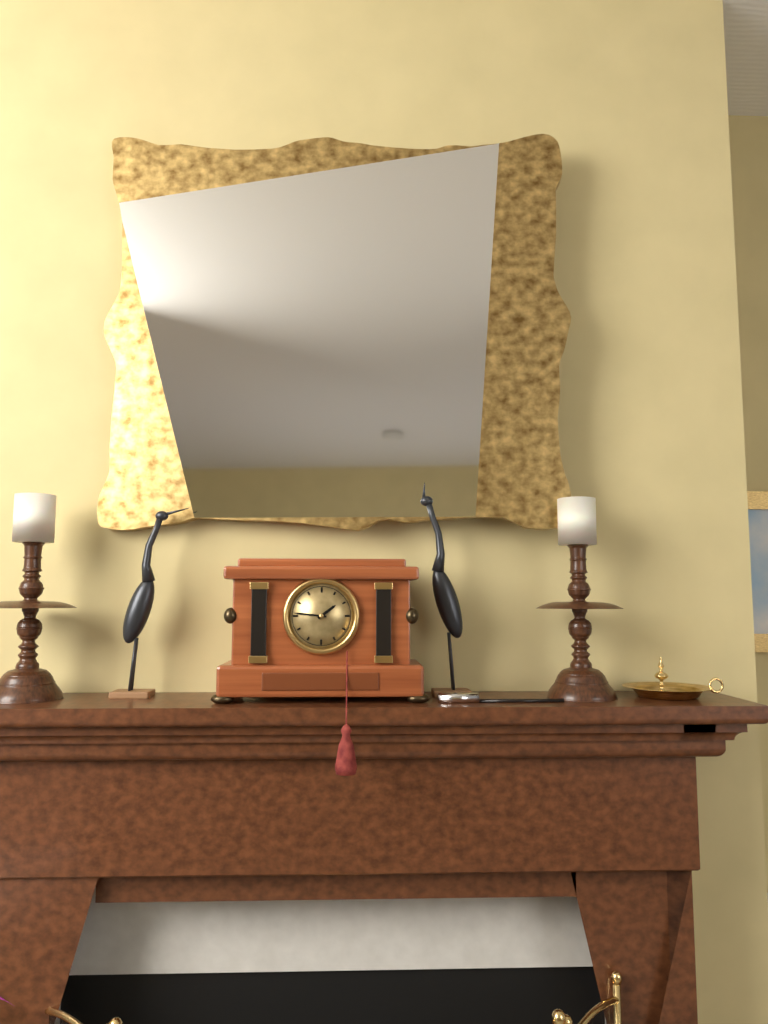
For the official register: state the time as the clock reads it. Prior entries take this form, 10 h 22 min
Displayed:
1 h 46 min
